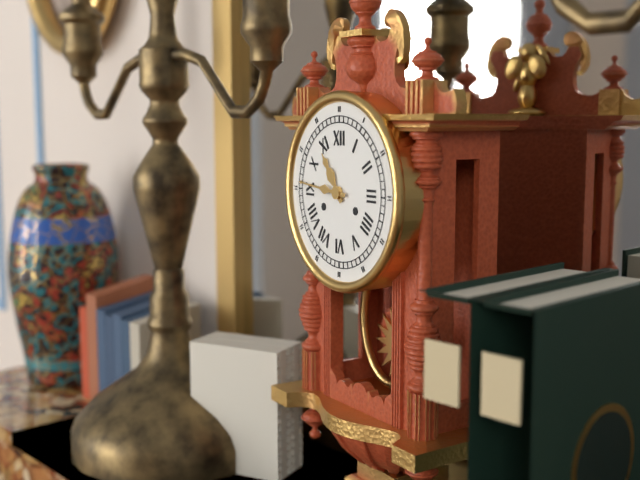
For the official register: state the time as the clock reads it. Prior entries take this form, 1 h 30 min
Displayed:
10 h 46 min
